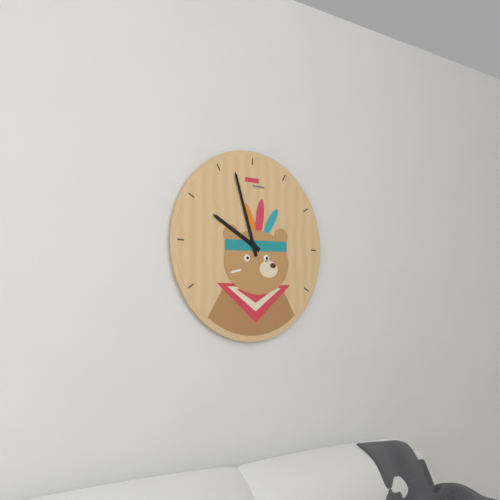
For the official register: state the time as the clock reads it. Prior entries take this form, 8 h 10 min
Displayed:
9 h 57 min
